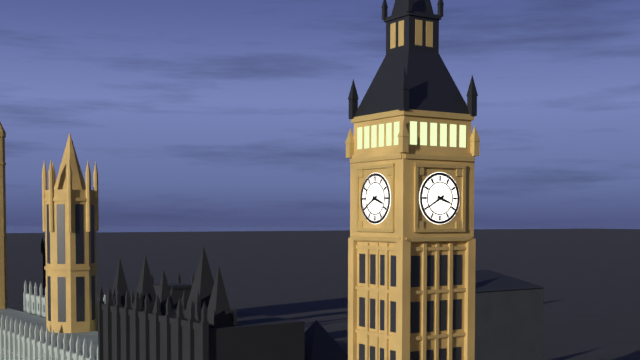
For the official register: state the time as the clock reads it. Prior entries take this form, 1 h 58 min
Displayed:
3 h 40 min
